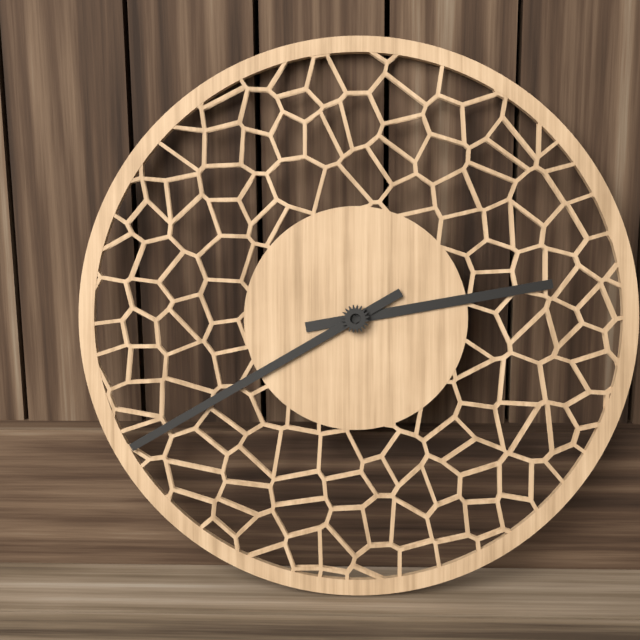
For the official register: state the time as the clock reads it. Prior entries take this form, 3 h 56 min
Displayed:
2 h 40 min
